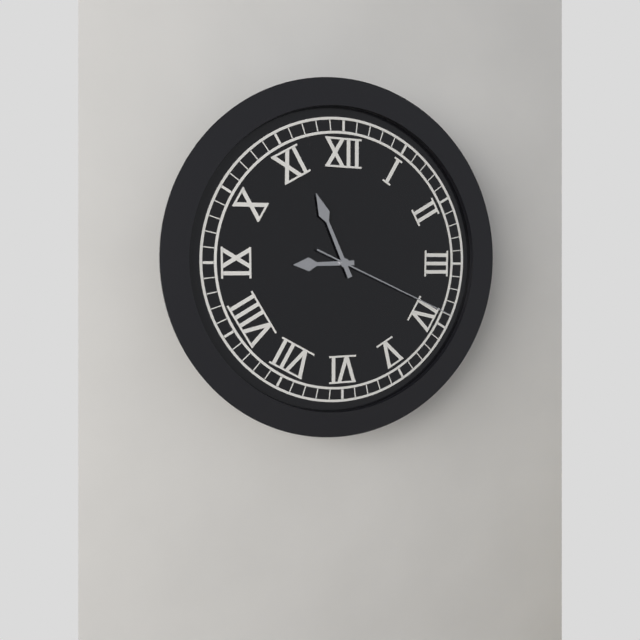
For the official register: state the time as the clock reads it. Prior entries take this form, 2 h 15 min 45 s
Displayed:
8 h 56 min 19 s
